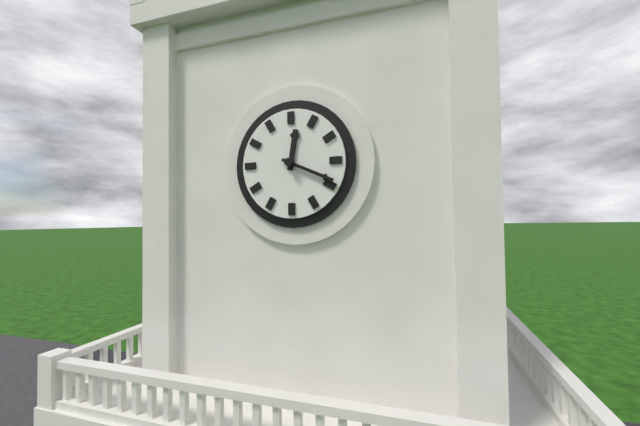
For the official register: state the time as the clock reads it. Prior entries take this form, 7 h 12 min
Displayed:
12 h 19 min
